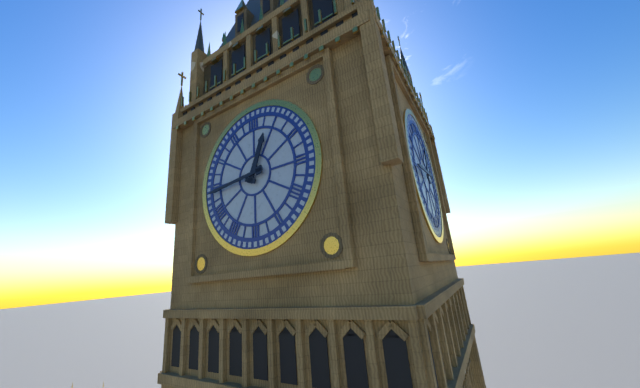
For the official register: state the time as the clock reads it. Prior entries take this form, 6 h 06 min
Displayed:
12 h 44 min
